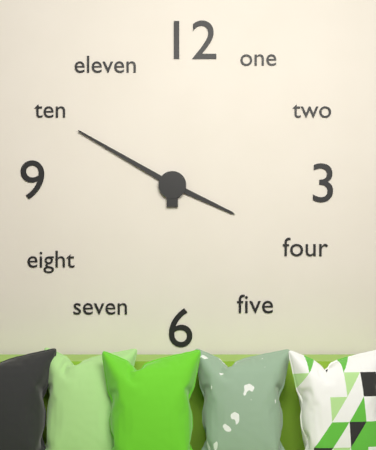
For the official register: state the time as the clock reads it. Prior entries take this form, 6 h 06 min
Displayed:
3 h 50 min
